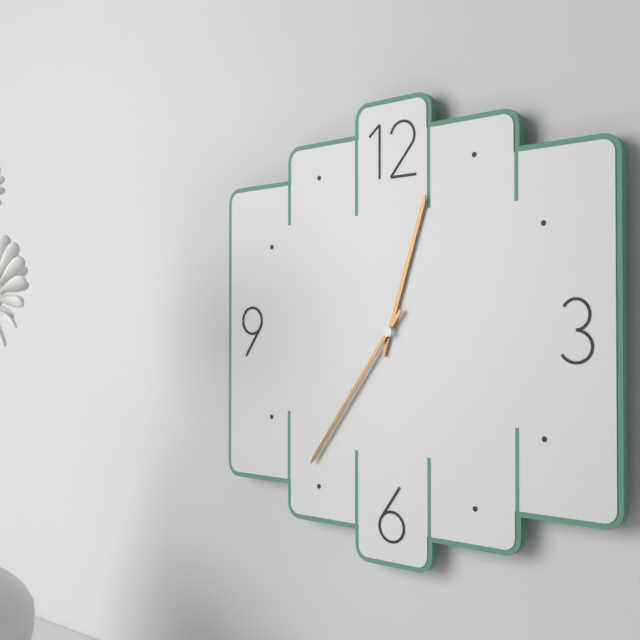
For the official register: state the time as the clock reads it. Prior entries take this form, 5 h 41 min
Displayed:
12 h 36 min
